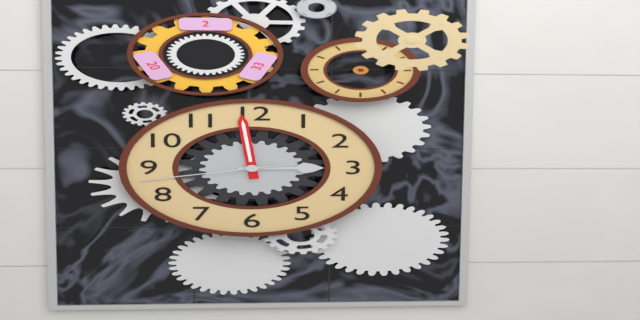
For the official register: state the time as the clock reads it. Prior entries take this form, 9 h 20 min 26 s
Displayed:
2 h 59 min 43 s
